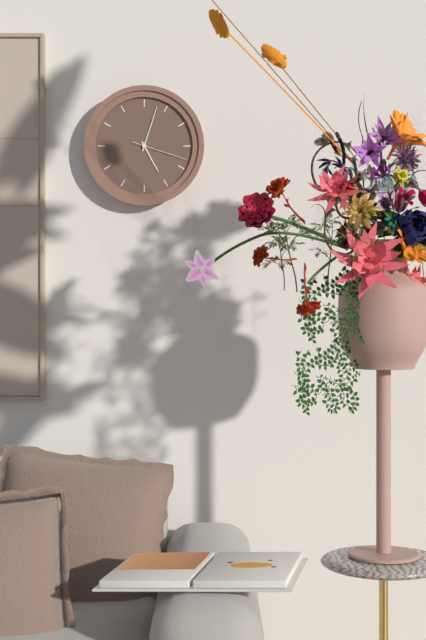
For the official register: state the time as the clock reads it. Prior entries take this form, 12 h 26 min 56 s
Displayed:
5 h 03 min 18 s
